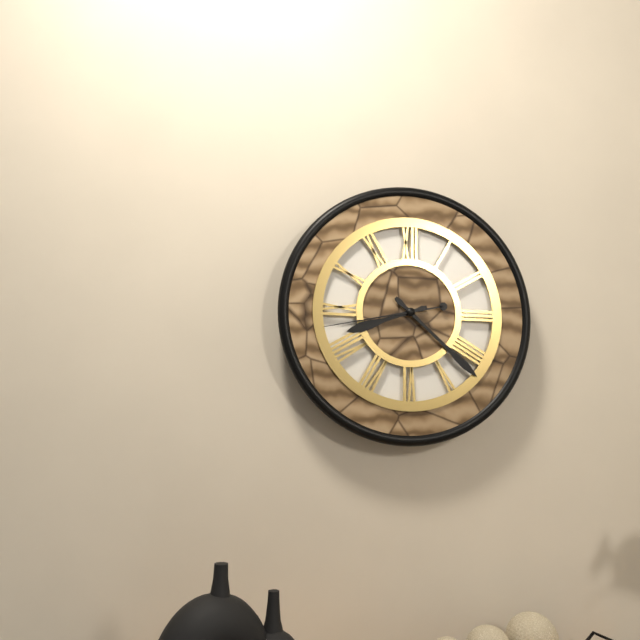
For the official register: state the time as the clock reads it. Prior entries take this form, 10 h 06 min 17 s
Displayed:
8 h 22 min 43 s
